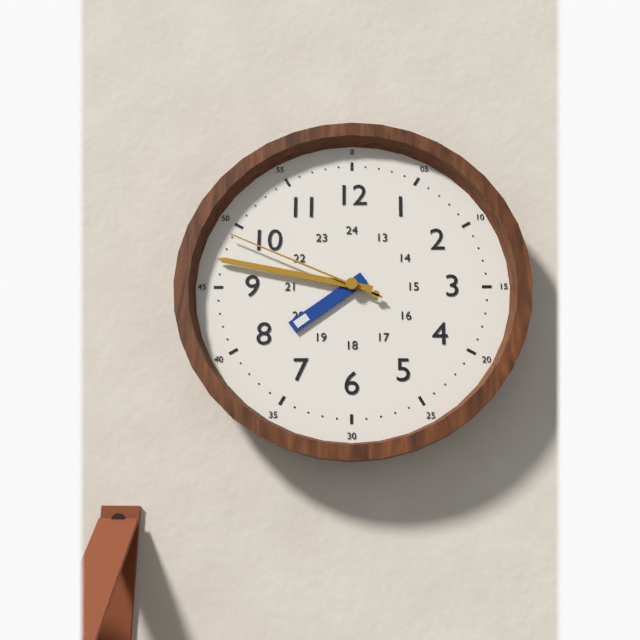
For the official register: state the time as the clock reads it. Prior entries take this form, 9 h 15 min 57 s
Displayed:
7 h 47 min 49 s
